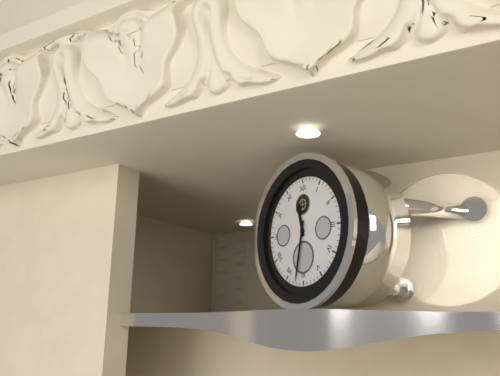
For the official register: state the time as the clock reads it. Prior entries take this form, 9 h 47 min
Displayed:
11 h 32 min
